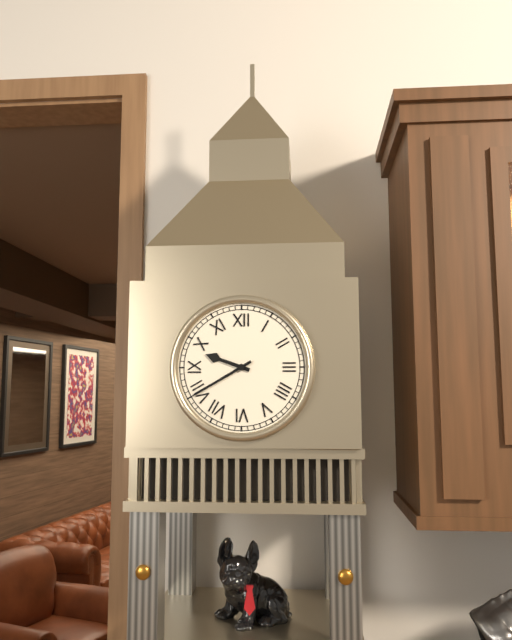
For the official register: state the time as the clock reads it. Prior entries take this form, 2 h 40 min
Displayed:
9 h 40 min
